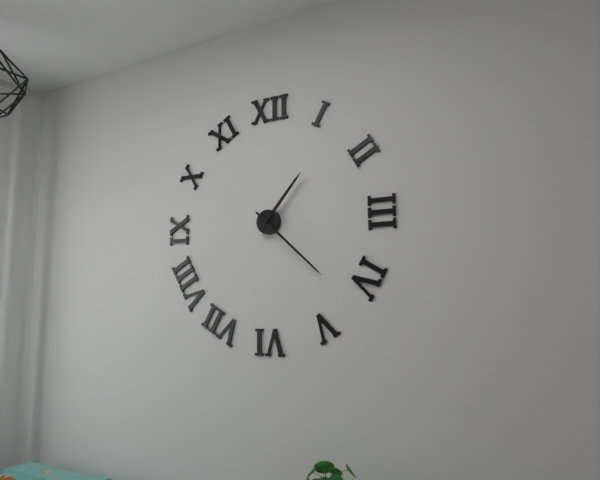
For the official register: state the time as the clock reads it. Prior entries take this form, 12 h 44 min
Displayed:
1 h 22 min
